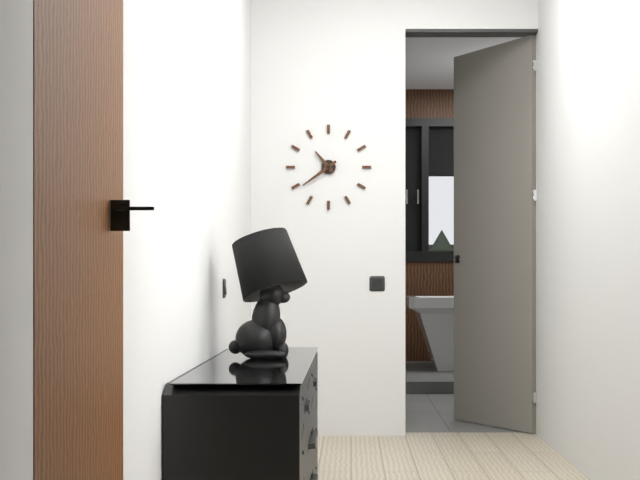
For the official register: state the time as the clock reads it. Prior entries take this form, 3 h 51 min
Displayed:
10 h 39 min
